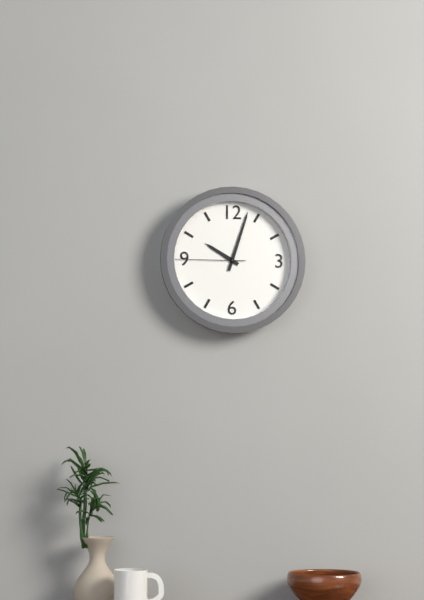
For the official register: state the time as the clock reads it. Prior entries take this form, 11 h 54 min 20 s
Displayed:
10 h 03 min 45 s
